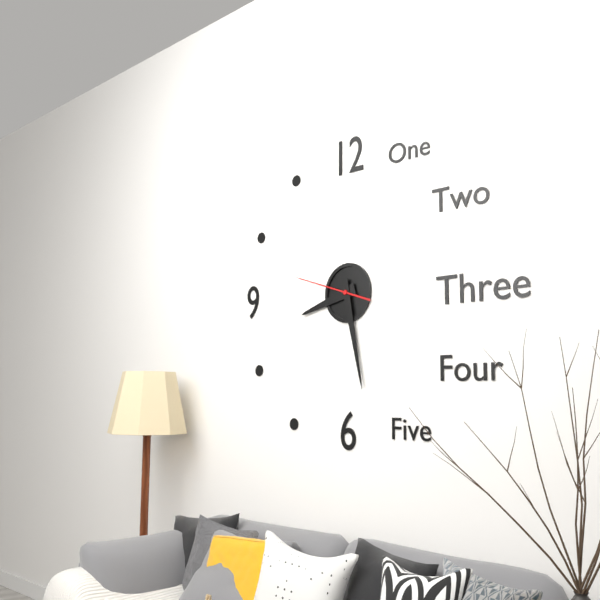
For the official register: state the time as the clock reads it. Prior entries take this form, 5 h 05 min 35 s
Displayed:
8 h 28 min 48 s
